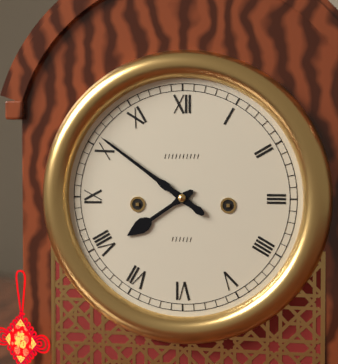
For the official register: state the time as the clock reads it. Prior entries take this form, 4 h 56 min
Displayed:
7 h 51 min
